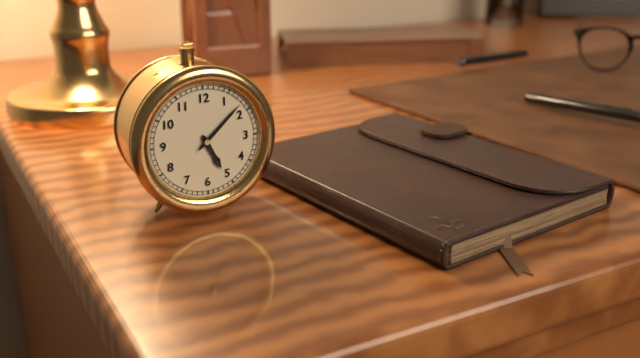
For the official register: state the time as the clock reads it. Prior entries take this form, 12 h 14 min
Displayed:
5 h 08 min
